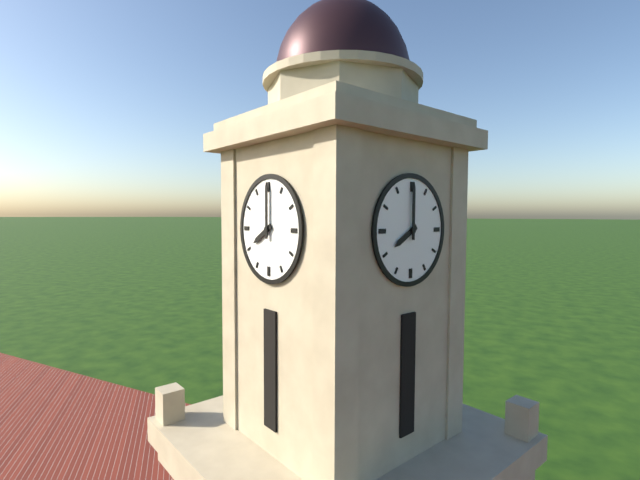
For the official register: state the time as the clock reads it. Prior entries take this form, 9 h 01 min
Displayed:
8 h 00 min
